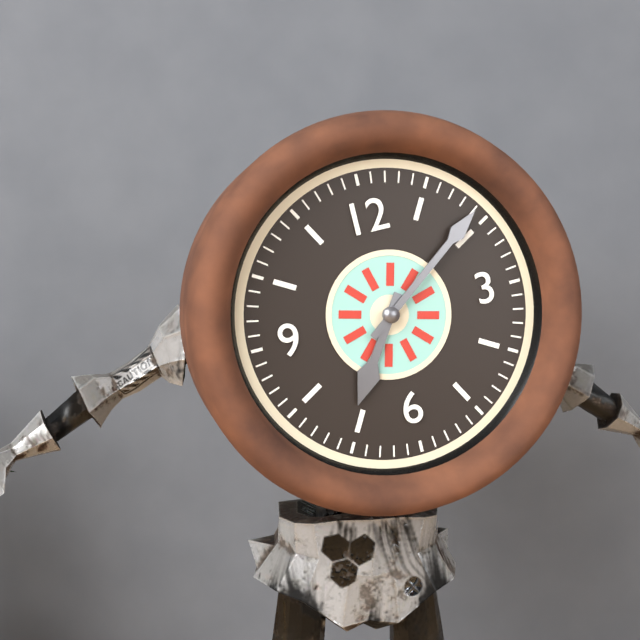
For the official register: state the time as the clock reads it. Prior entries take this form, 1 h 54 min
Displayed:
7 h 09 min
